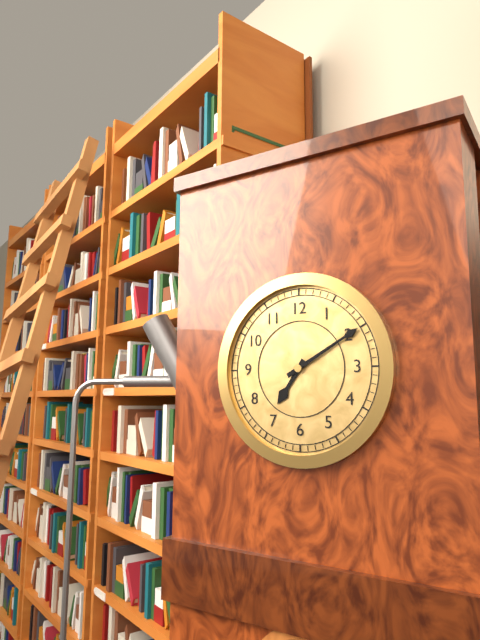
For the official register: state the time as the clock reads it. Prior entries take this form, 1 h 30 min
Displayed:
7 h 10 min
